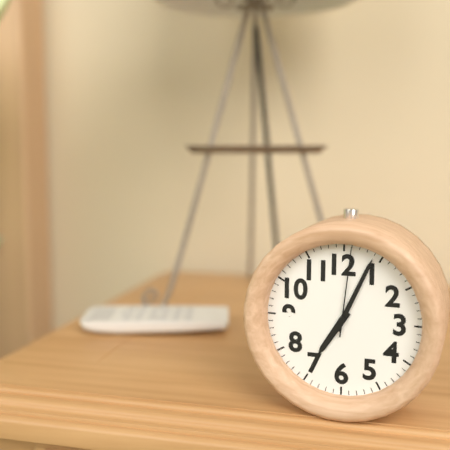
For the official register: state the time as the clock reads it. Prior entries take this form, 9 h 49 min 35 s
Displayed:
7 h 04 min 01 s
